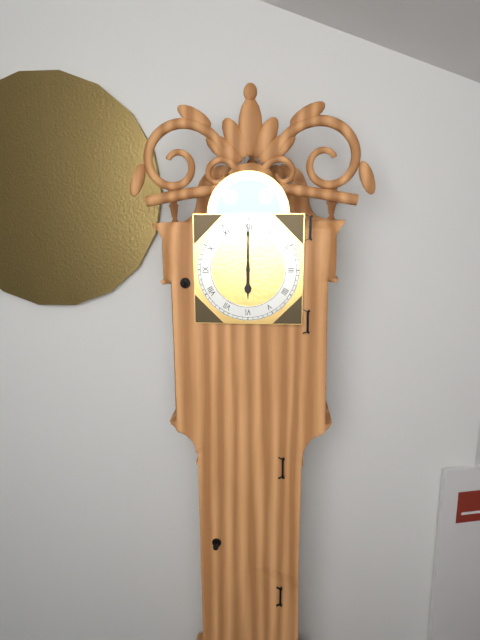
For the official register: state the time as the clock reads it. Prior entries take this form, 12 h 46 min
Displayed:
6 h 00 min
